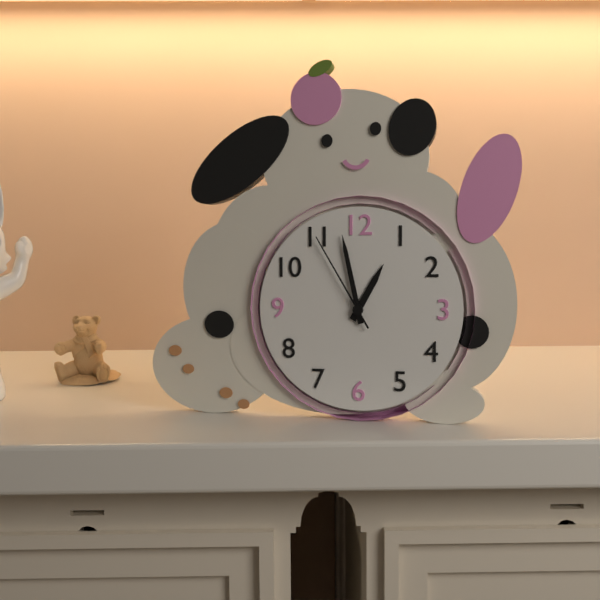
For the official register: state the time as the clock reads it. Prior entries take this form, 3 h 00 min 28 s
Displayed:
12 h 58 min 55 s
